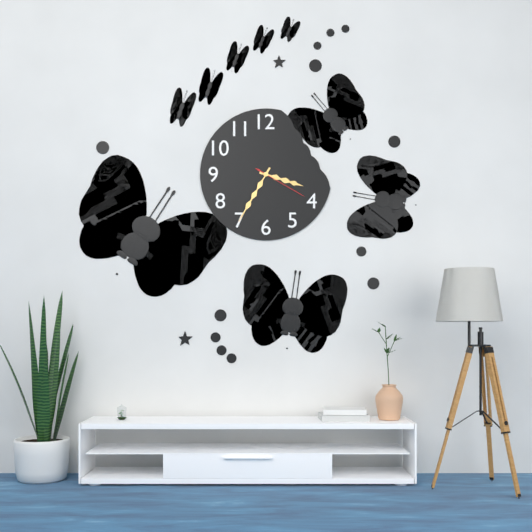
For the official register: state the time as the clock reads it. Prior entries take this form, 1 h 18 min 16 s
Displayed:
3 h 35 min 20 s
